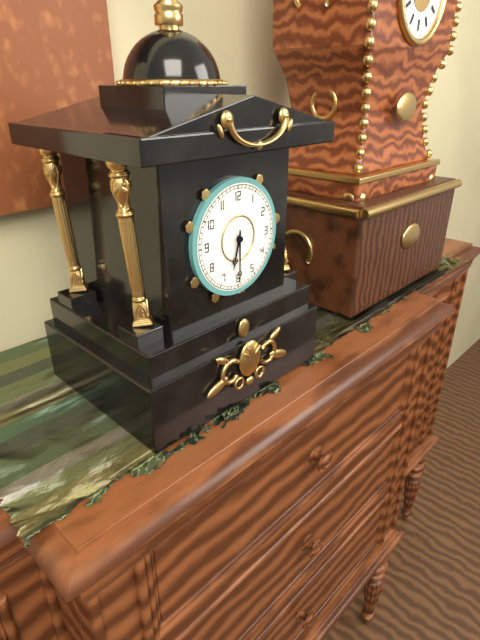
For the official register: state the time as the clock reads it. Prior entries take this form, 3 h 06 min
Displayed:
6 h 30 min
